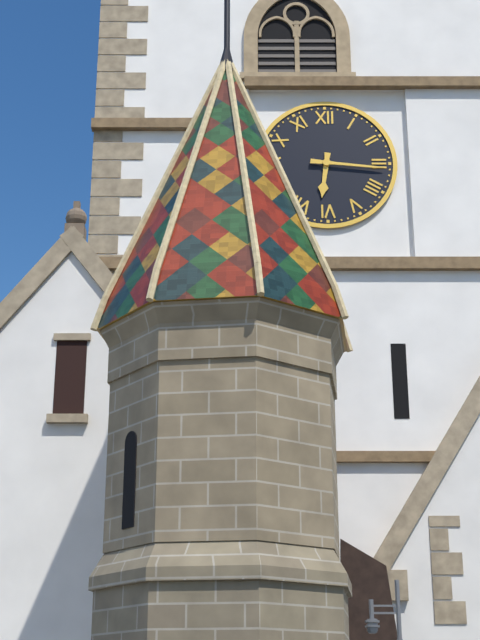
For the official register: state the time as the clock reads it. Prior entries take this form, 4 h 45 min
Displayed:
6 h 16 min
